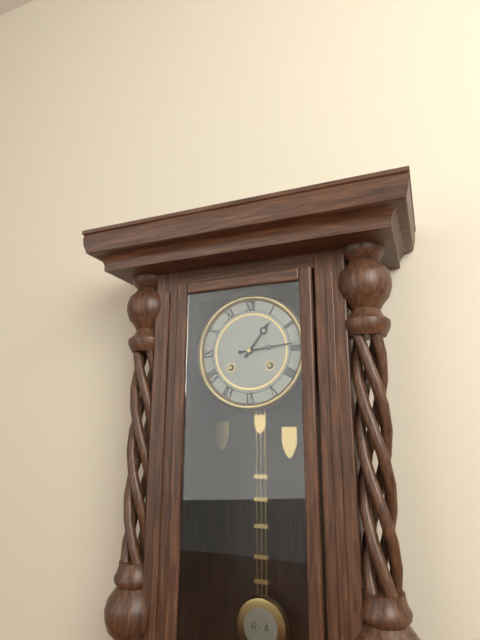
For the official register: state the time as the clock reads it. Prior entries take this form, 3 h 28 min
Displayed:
1 h 14 min
